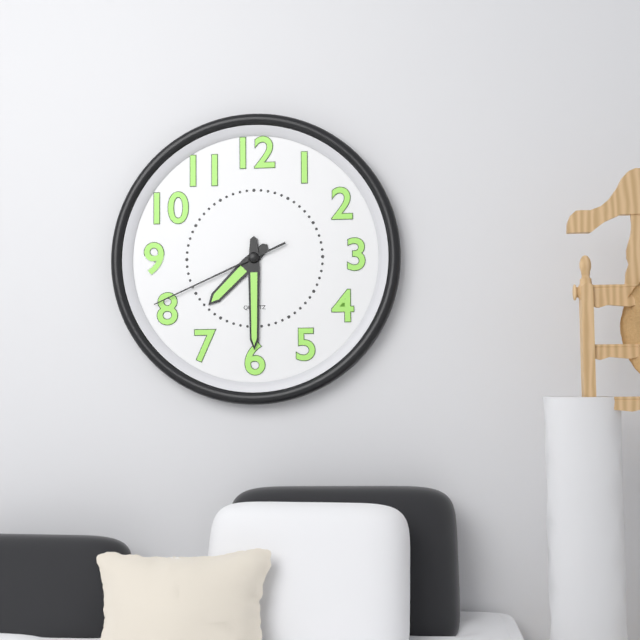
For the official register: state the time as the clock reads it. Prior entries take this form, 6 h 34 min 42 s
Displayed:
7 h 30 min 41 s
